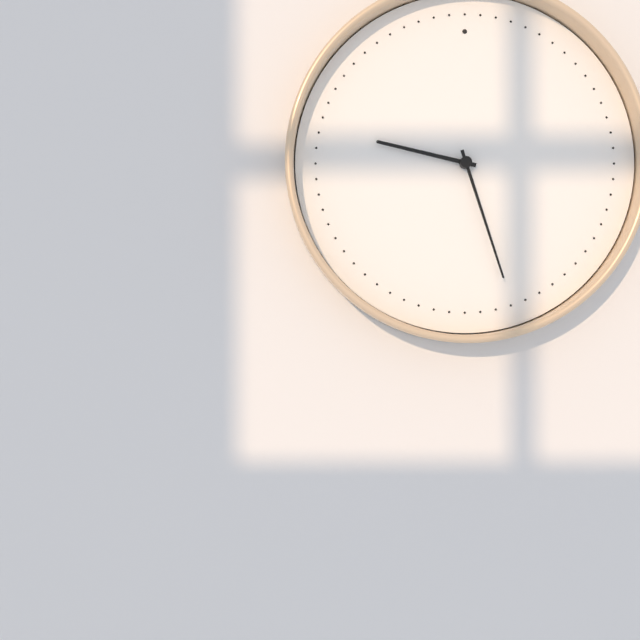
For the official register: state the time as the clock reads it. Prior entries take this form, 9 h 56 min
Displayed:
9 h 27 min
